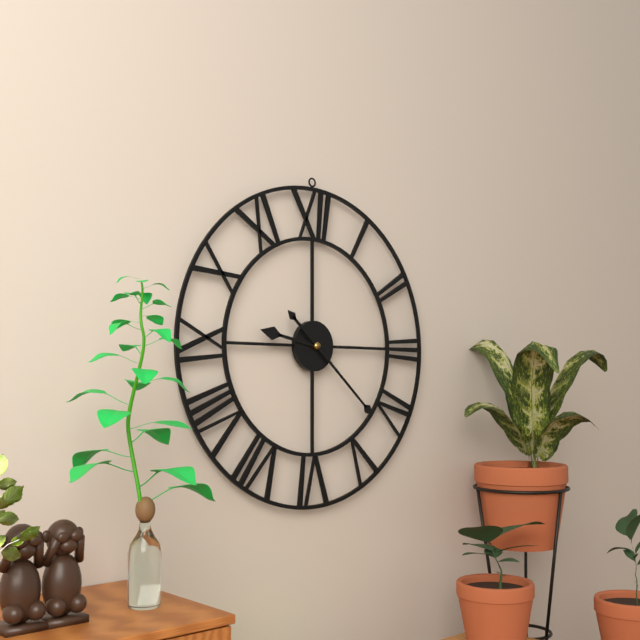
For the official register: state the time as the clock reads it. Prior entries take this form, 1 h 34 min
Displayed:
9 h 22 min
